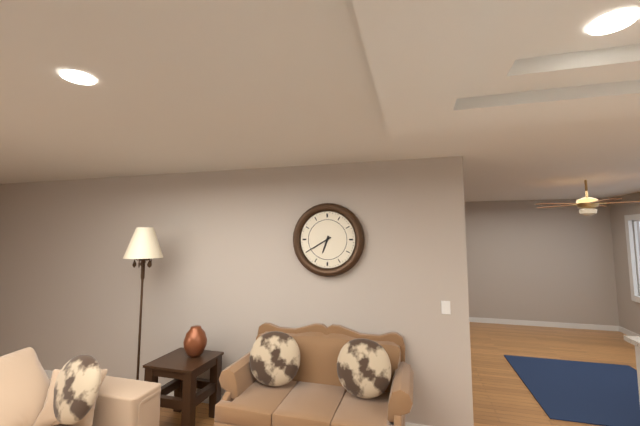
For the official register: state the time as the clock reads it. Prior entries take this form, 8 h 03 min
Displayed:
6 h 40 min
